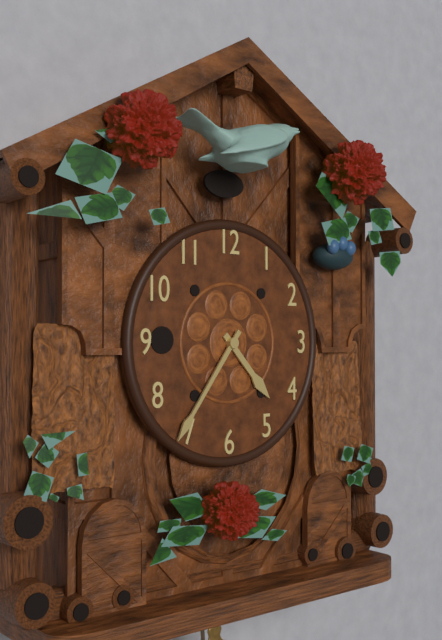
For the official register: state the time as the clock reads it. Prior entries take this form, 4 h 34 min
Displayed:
4 h 36 min
